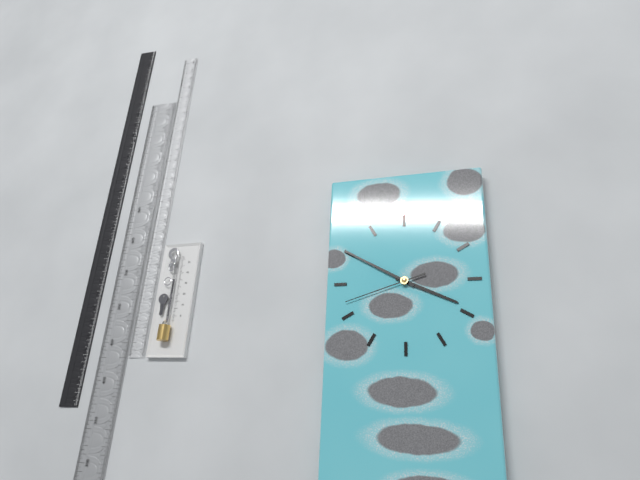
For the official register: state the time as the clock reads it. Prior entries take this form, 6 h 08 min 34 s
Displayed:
3 h 50 min 42 s
